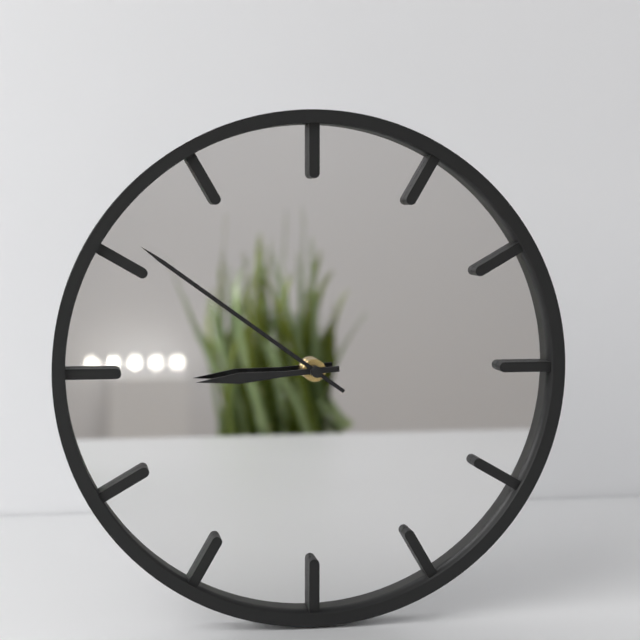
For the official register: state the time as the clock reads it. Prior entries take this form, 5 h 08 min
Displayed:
8 h 51 min
